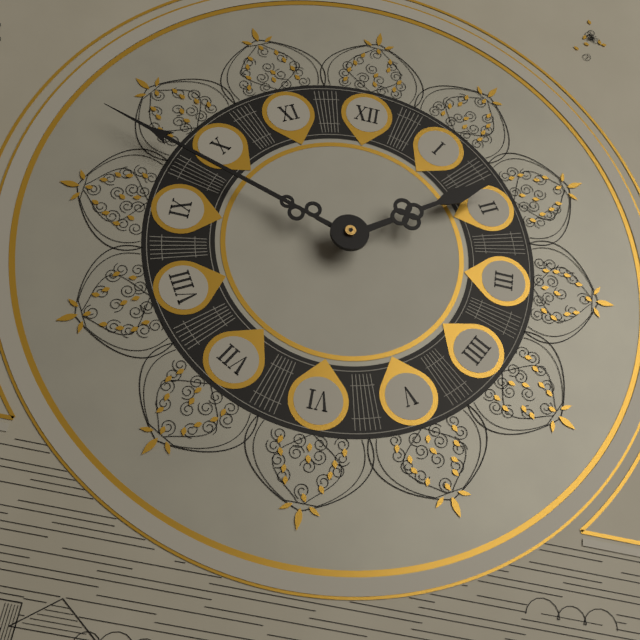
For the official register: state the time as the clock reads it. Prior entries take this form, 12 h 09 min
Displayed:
1 h 48 min
